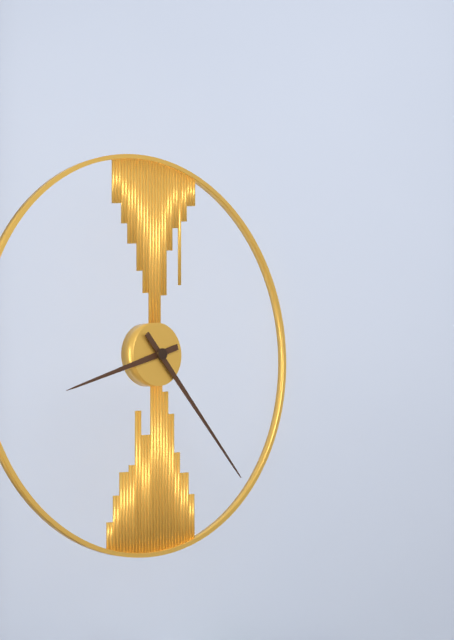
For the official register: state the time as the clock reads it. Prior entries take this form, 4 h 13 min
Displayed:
8 h 23 min
